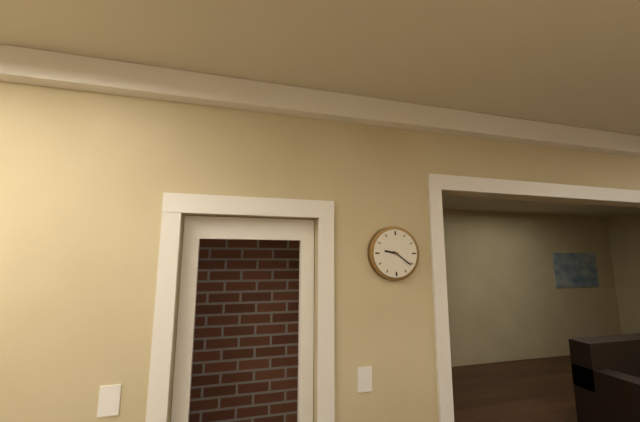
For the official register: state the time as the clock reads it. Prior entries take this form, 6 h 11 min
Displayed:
9 h 21 min
